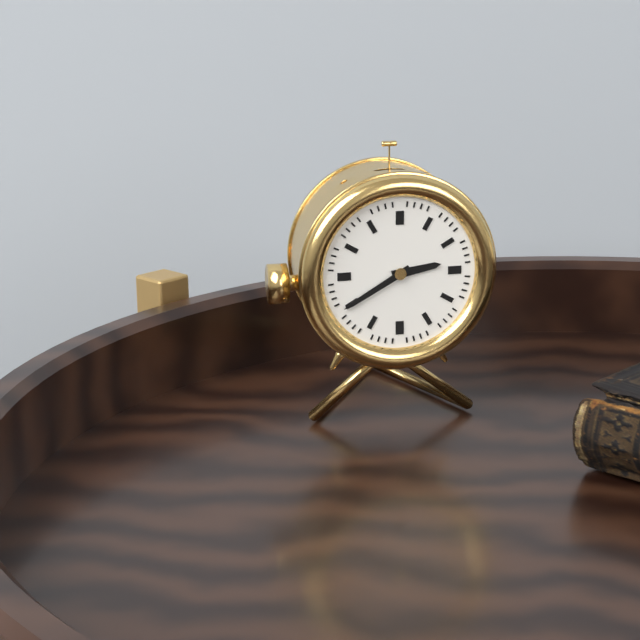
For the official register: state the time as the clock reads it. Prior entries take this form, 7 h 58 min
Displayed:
2 h 40 min
